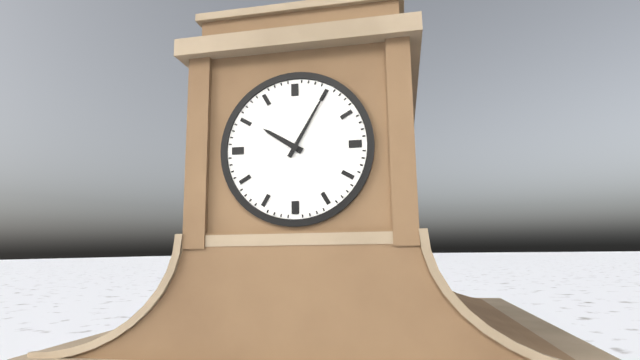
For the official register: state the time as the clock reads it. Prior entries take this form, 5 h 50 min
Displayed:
10 h 05 min
